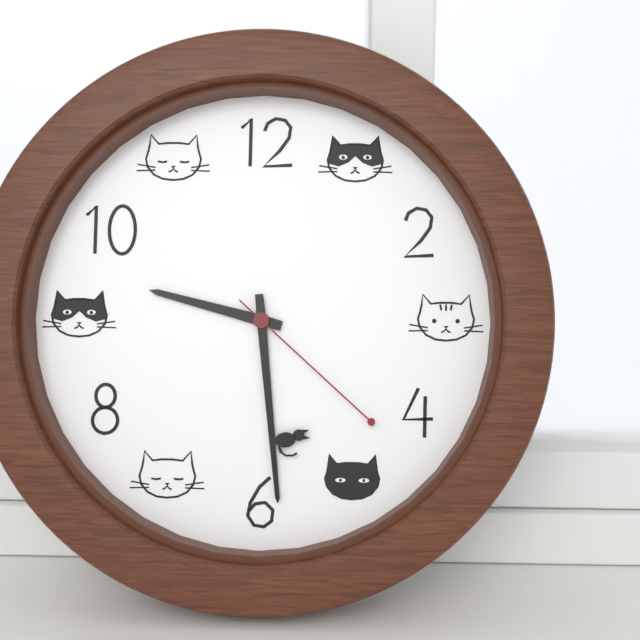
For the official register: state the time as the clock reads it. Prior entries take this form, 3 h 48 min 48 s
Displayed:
9 h 29 min 22 s
